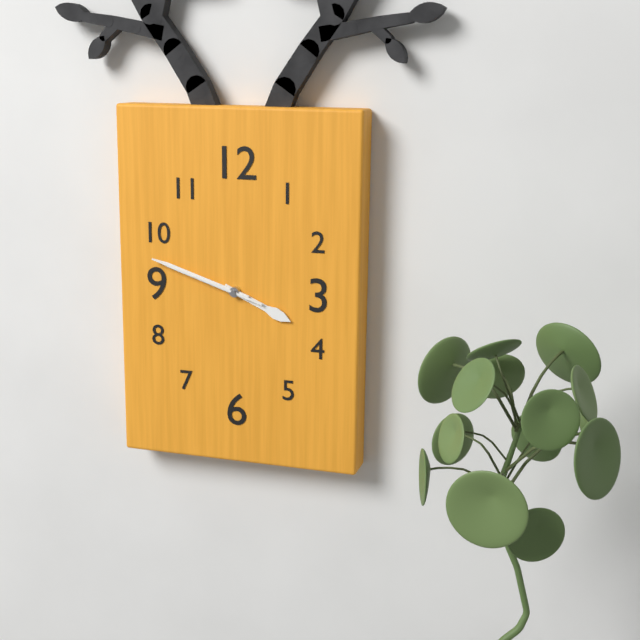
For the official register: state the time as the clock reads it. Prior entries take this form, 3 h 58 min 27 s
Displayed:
3 h 48 min 48 s
